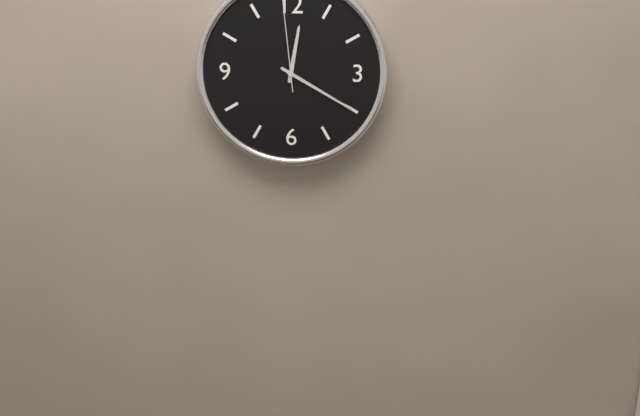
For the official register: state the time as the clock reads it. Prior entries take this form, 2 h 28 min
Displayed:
12 h 20 min
